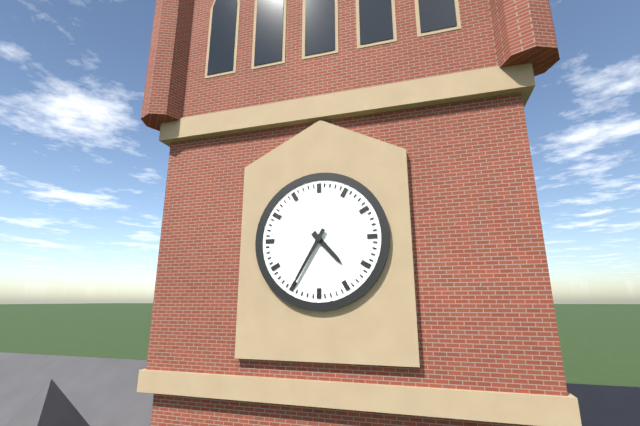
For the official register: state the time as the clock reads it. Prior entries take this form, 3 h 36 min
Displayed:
4 h 35 min
